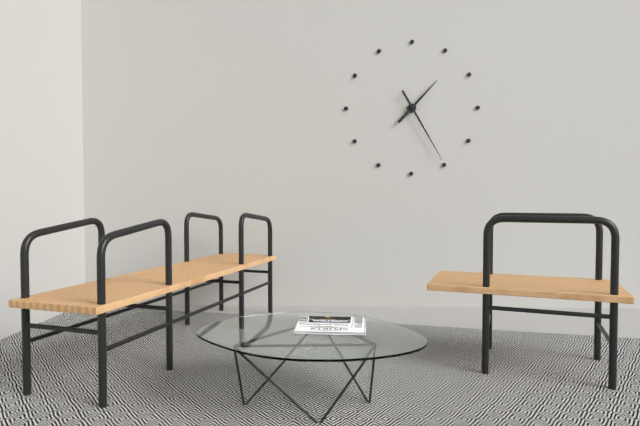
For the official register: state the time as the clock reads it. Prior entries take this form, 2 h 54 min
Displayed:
1 h 25 min
